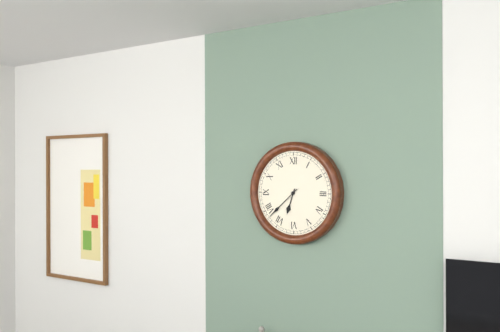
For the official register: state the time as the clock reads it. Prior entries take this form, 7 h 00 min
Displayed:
6 h 38 min
